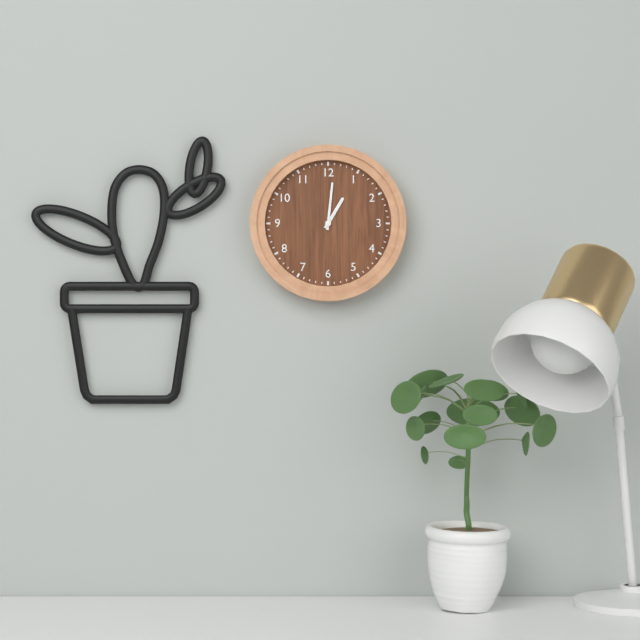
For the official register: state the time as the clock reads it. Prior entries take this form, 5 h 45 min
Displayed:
1 h 01 min
